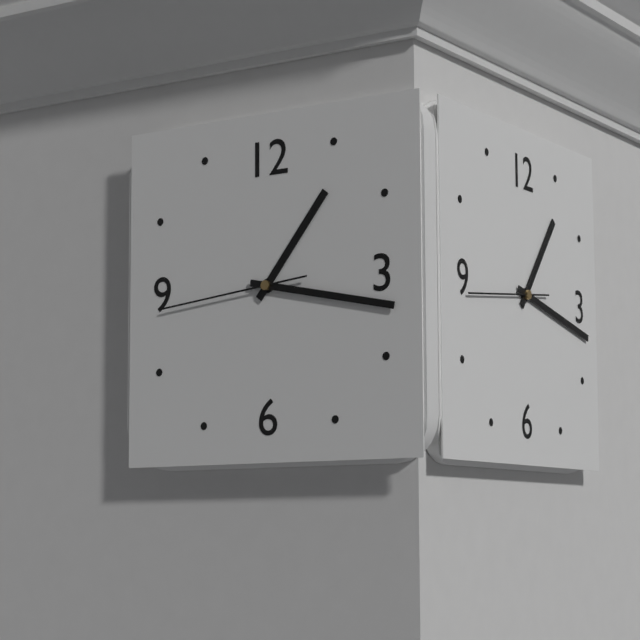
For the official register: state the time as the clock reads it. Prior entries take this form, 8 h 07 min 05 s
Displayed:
1 h 17 min 44 s
